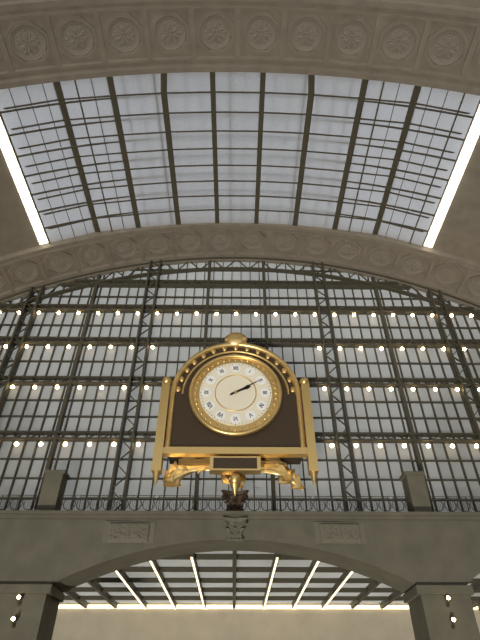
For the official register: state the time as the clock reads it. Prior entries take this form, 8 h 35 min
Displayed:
2 h 10 min
